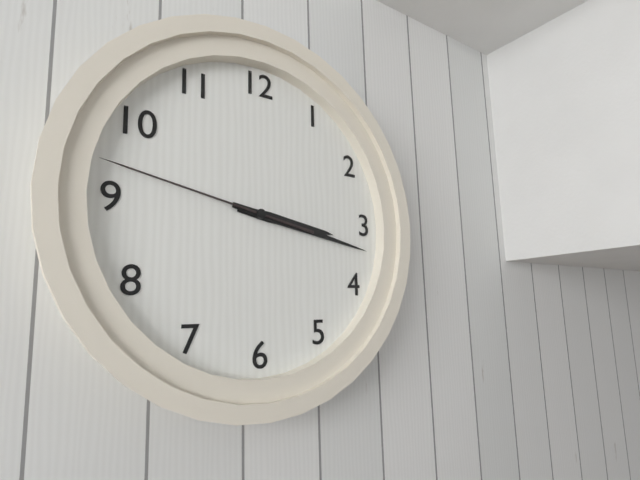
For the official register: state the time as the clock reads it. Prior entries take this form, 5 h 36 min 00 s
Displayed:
3 h 17 min 47 s
